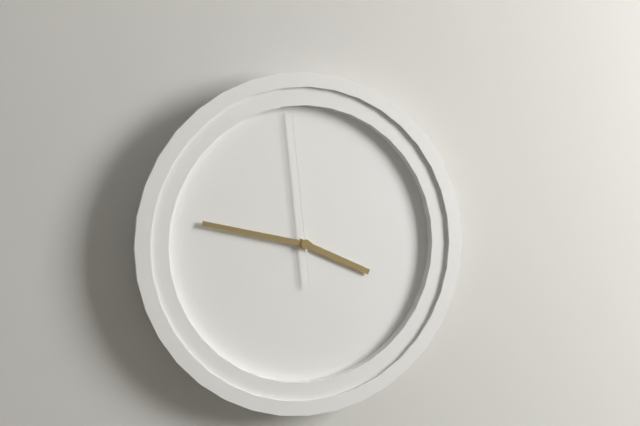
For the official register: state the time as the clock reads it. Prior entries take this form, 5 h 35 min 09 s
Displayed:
3 h 47 min 59 s
